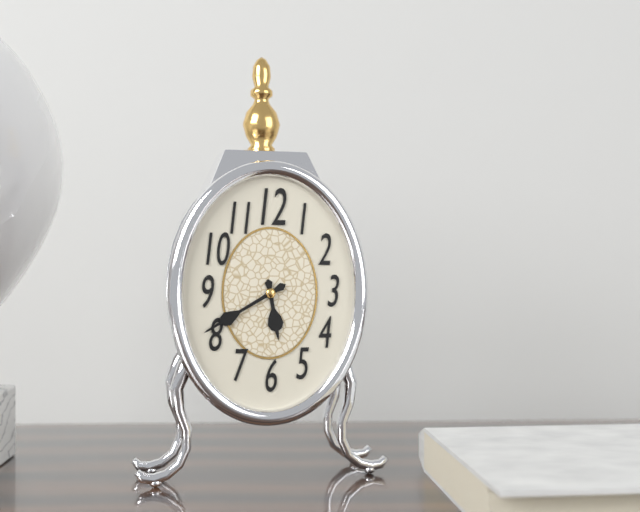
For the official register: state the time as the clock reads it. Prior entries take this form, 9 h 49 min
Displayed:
5 h 40 min
